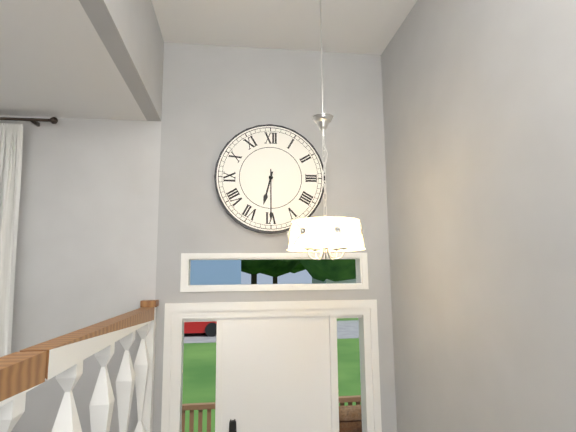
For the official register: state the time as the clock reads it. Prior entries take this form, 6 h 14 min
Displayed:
6 h 30 min
